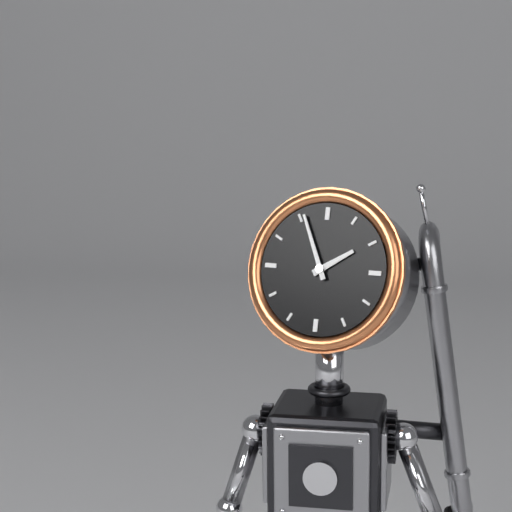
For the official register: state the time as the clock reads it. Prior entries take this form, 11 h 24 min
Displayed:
1 h 56 min
